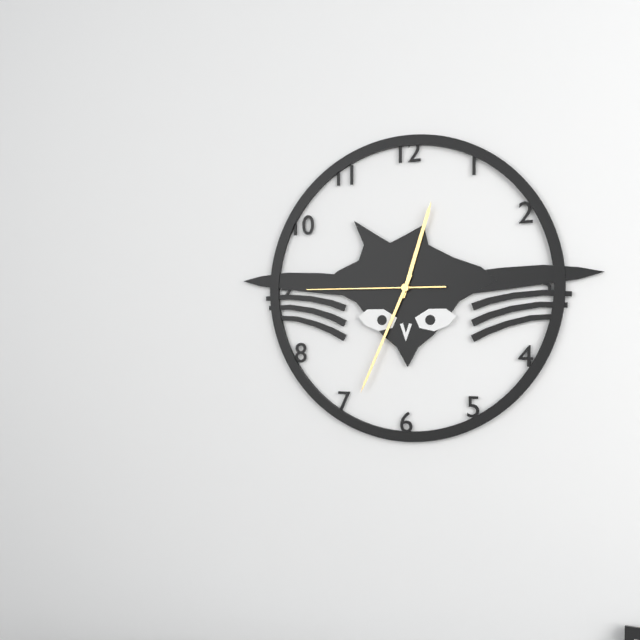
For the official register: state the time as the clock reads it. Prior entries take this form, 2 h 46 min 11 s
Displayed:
12 h 34 min 45 s
